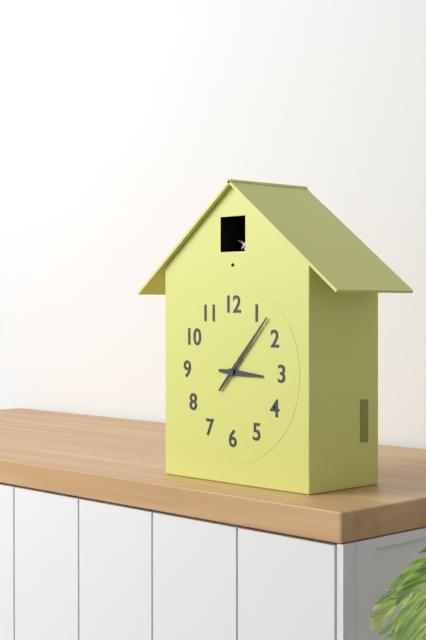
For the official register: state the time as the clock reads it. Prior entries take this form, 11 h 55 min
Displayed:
3 h 07 min
